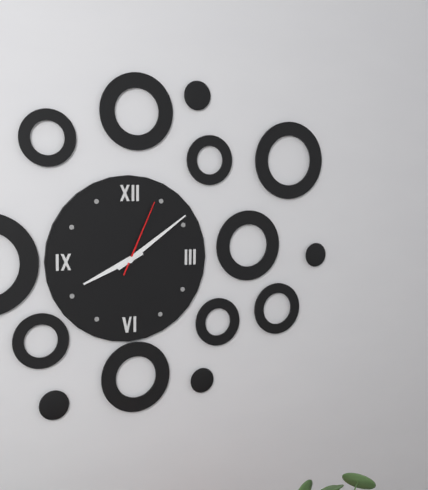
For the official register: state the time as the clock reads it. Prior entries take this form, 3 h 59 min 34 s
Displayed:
8 h 09 min 04 s
